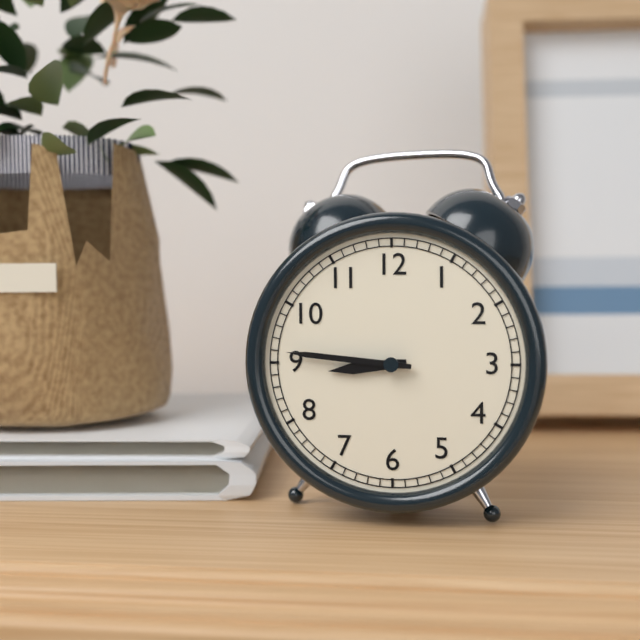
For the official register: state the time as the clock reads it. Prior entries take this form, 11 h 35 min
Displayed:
8 h 46 min
